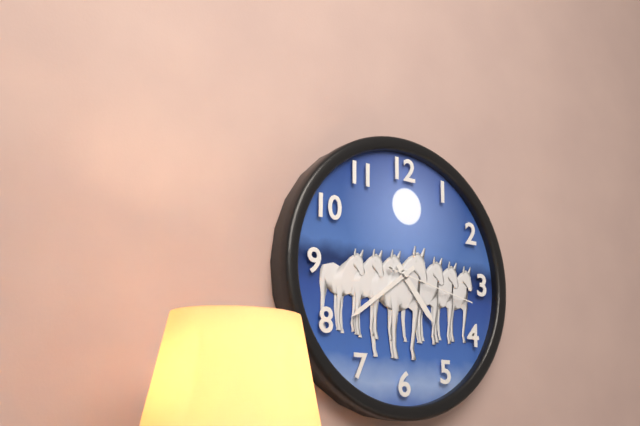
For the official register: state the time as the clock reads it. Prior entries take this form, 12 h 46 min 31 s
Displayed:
4 h 39 min 17 s
